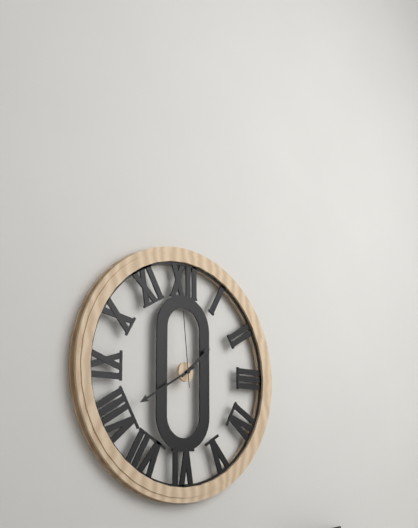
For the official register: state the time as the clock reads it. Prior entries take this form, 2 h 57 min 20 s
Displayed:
1 h 40 min 59 s
